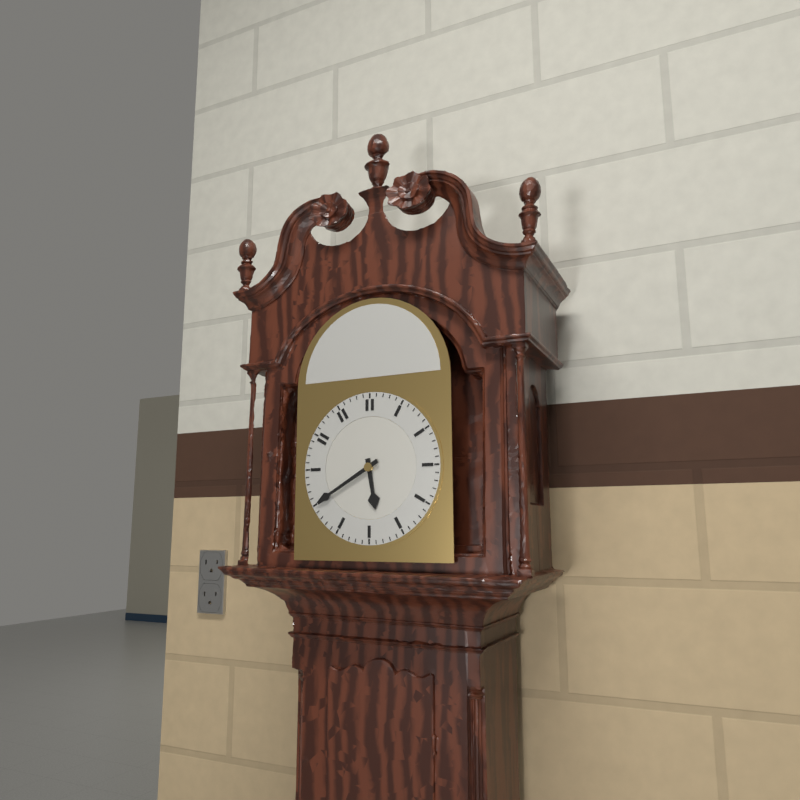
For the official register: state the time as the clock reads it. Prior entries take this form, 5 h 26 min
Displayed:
5 h 40 min
